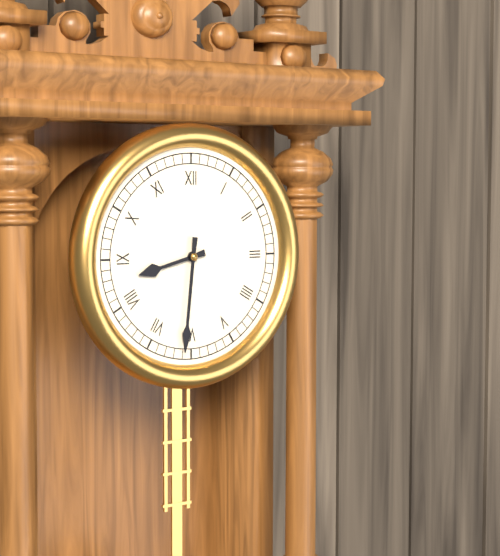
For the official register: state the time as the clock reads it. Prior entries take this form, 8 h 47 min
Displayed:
8 h 31 min
